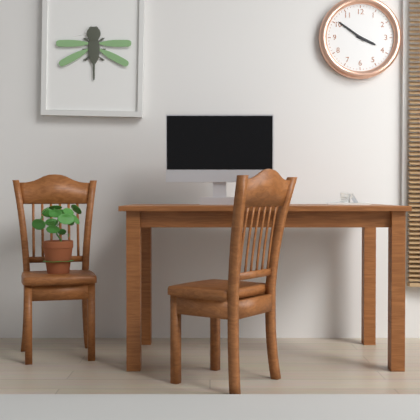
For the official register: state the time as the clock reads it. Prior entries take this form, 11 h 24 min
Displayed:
3 h 51 min
